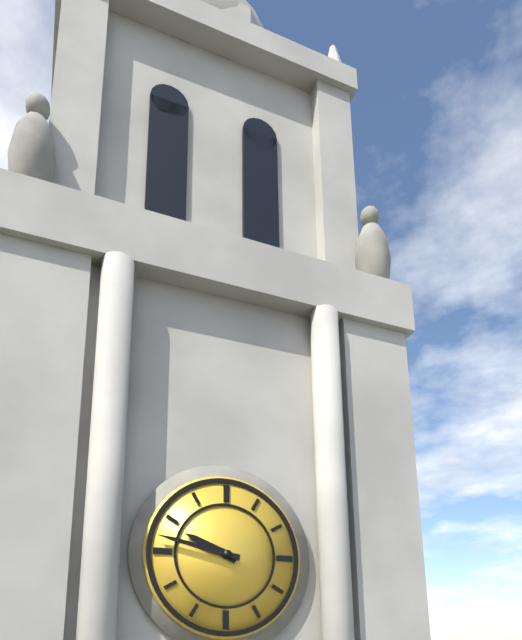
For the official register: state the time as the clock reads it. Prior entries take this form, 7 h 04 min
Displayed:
9 h 47 min
